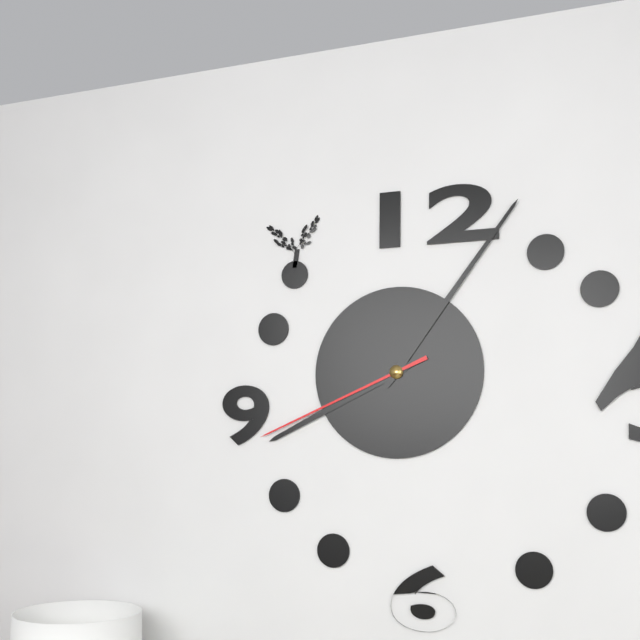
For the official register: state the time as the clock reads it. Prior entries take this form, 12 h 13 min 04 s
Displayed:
8 h 06 min 41 s
